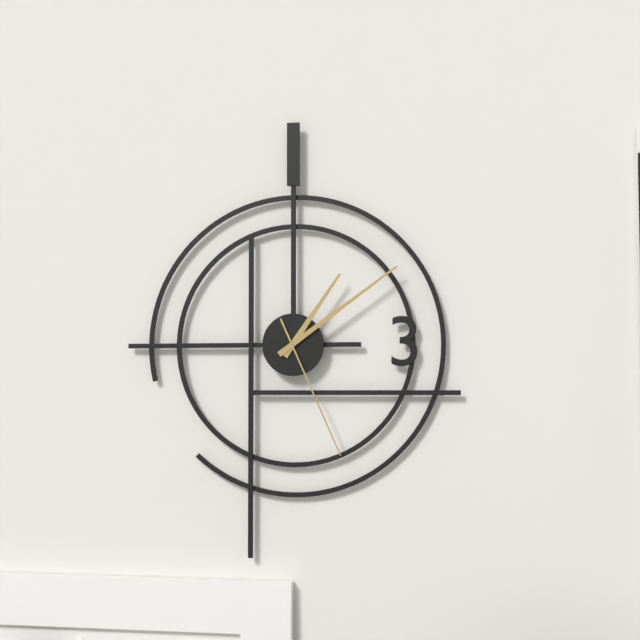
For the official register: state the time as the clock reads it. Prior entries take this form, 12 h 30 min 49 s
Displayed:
1 h 09 min 26 s
